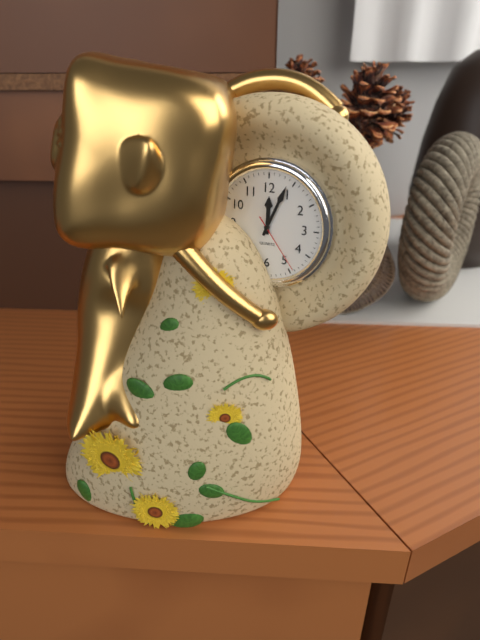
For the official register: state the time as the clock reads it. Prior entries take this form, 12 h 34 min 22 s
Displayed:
12 h 04 min 24 s
